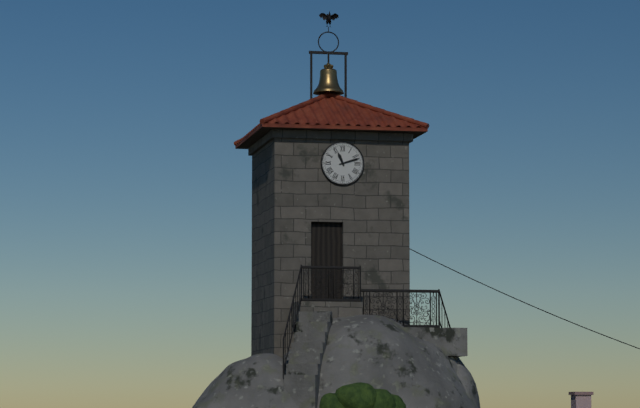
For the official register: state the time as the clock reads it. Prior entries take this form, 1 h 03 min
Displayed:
11 h 12 min
